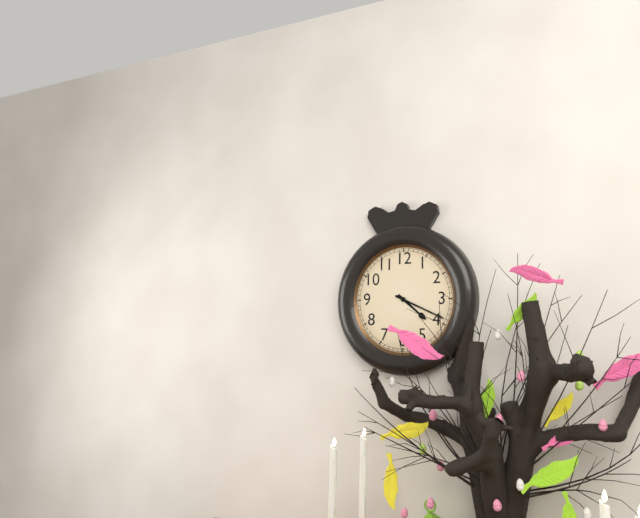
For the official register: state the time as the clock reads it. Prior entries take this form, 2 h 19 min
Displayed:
4 h 19 min
